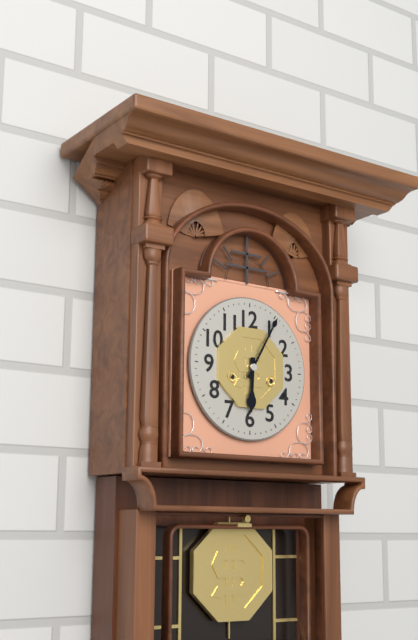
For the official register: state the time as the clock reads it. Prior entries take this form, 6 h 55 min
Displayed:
6 h 05 min
